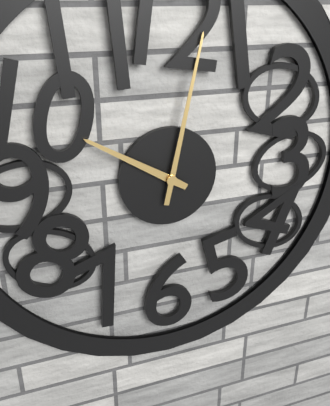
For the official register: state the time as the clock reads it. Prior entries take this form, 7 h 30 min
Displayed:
10 h 02 min
